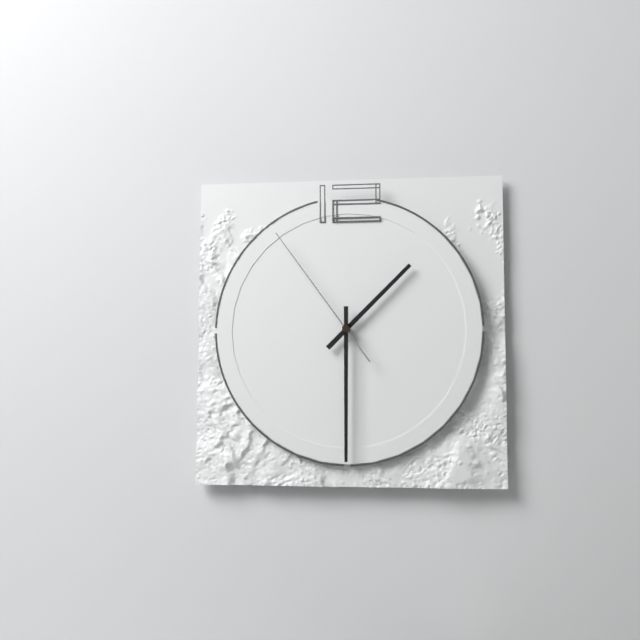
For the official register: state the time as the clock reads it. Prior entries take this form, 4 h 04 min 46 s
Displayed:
1 h 30 min 54 s
